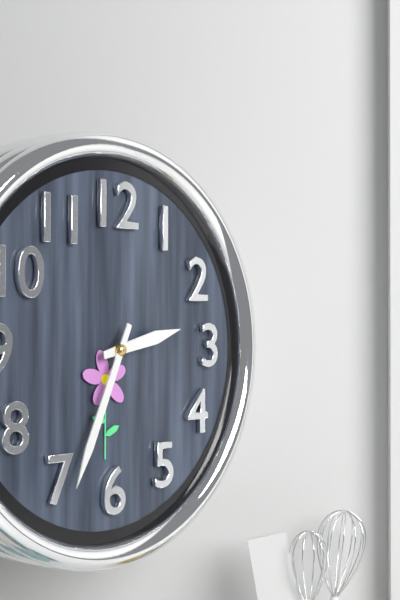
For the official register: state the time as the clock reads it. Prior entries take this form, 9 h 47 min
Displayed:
2 h 34 min
